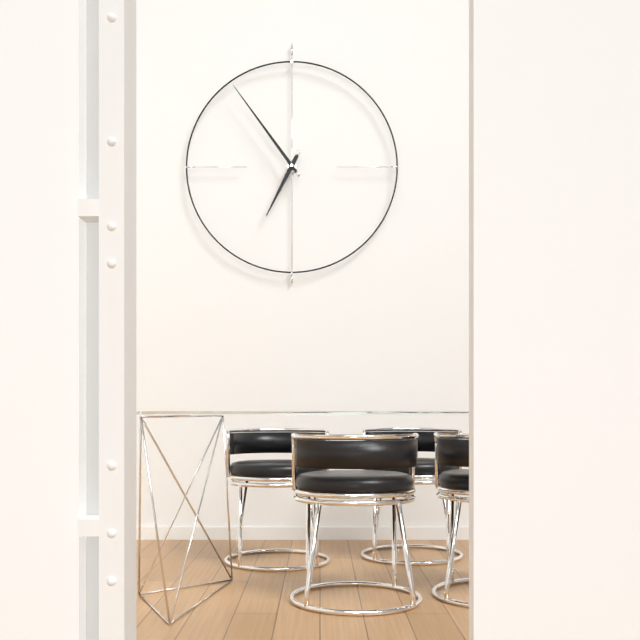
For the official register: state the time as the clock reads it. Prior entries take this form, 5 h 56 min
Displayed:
6 h 54 min
